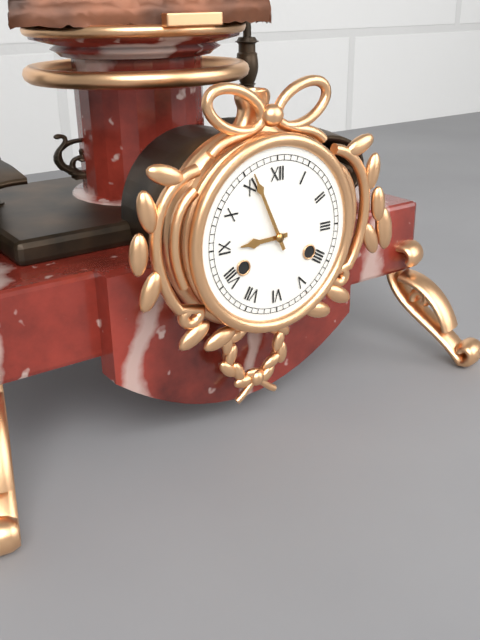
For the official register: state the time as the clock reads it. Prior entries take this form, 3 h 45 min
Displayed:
8 h 56 min
